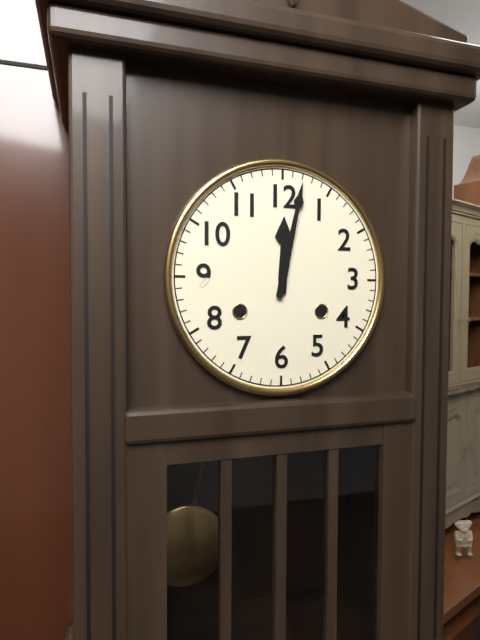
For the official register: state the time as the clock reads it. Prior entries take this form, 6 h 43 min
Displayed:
12 h 02 min
